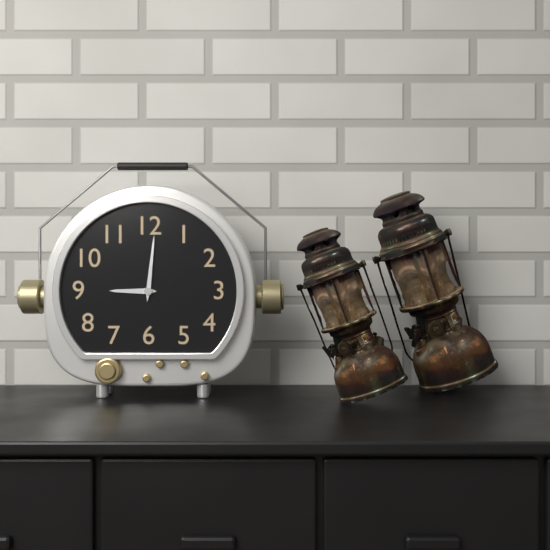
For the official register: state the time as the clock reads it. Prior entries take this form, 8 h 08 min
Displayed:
9 h 01 min
